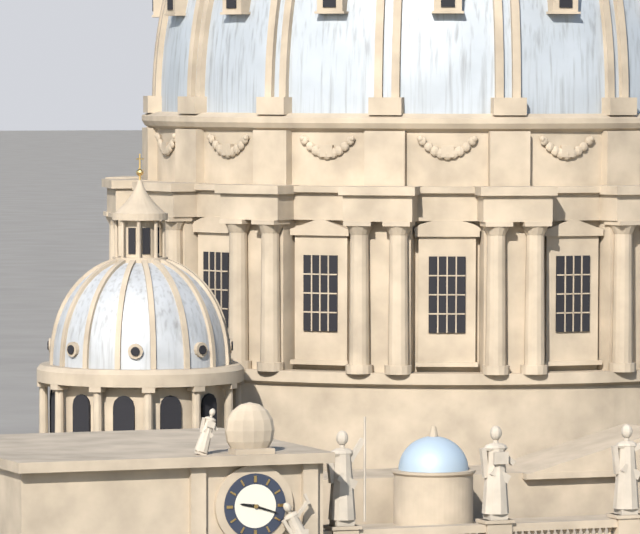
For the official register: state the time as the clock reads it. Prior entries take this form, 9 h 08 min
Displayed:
9 h 18 min
